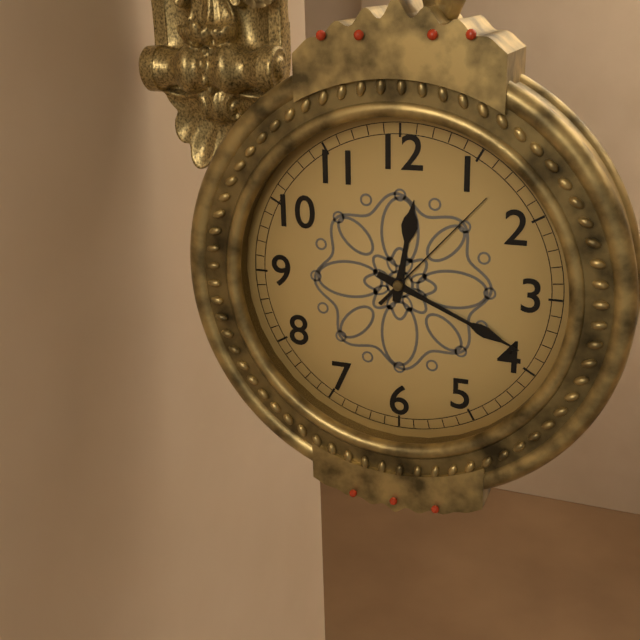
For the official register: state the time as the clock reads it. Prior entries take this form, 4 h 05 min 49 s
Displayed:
12 h 19 min 07 s
